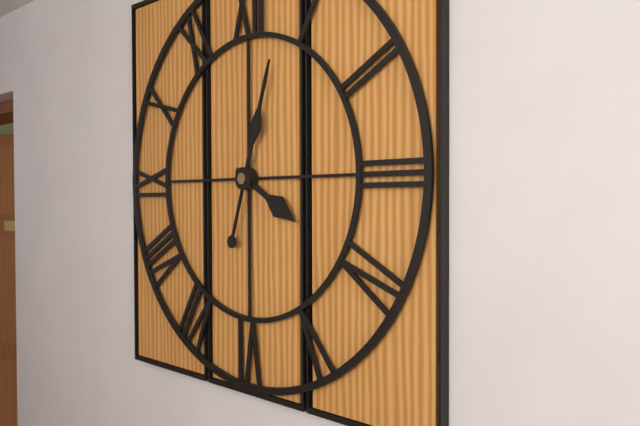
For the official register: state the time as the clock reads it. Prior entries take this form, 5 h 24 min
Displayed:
4 h 03 min
